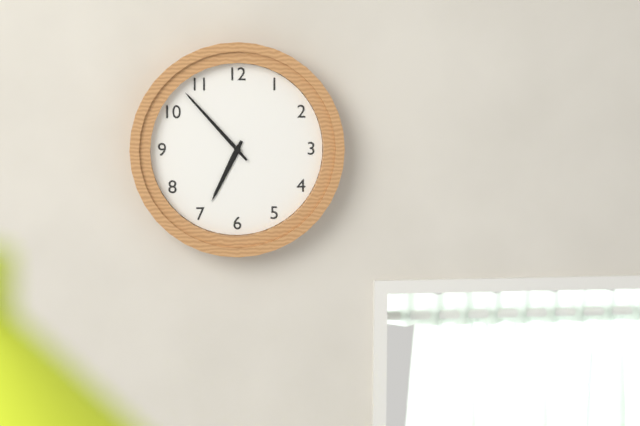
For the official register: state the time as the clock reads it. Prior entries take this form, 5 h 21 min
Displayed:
6 h 53 min
